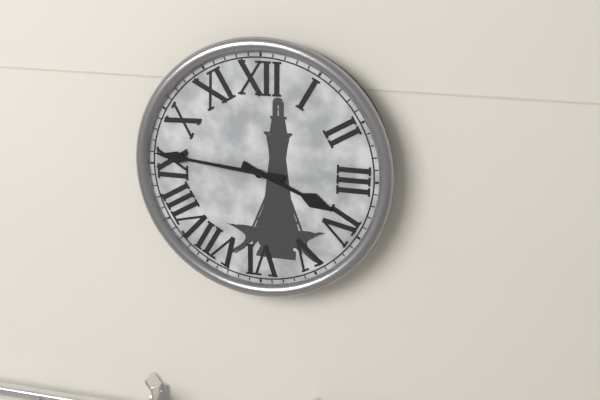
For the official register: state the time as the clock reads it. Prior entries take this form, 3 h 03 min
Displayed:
3 h 46 min
